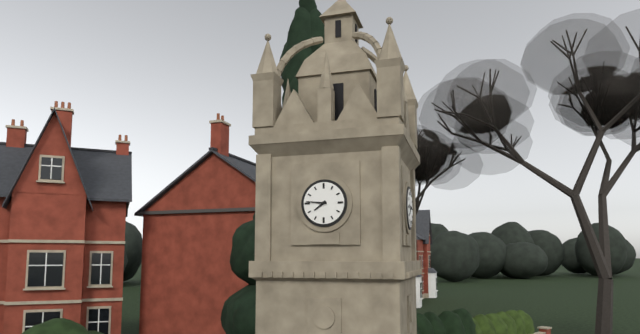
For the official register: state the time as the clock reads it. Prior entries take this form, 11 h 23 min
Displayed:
7 h 46 min
